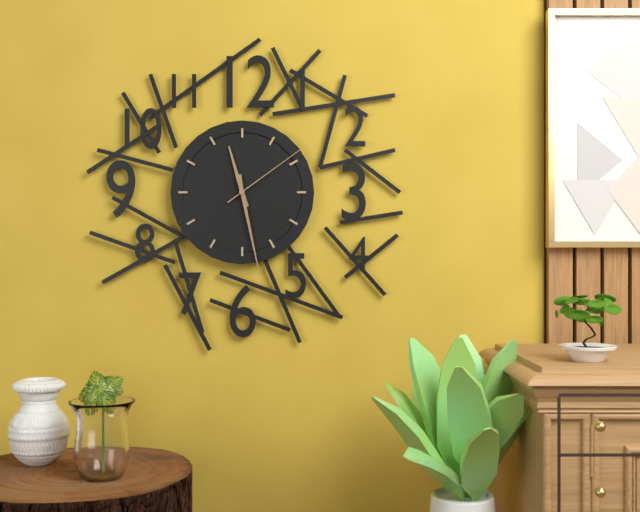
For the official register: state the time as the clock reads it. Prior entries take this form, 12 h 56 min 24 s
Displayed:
11 h 28 min 09 s
